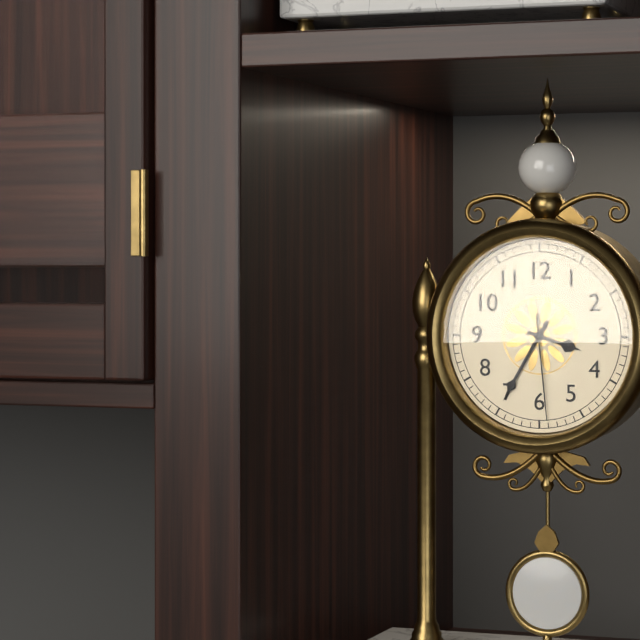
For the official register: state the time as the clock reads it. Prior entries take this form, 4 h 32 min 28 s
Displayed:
3 h 35 min 29 s
